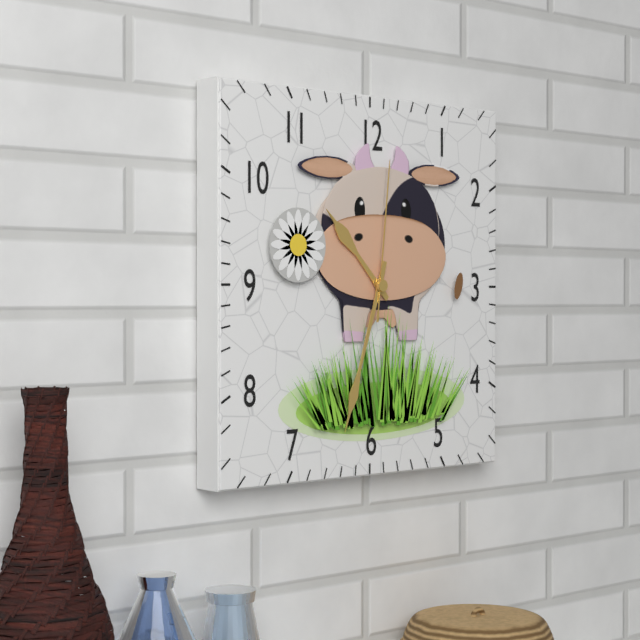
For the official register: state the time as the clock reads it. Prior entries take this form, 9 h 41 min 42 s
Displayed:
10 h 33 min 01 s
